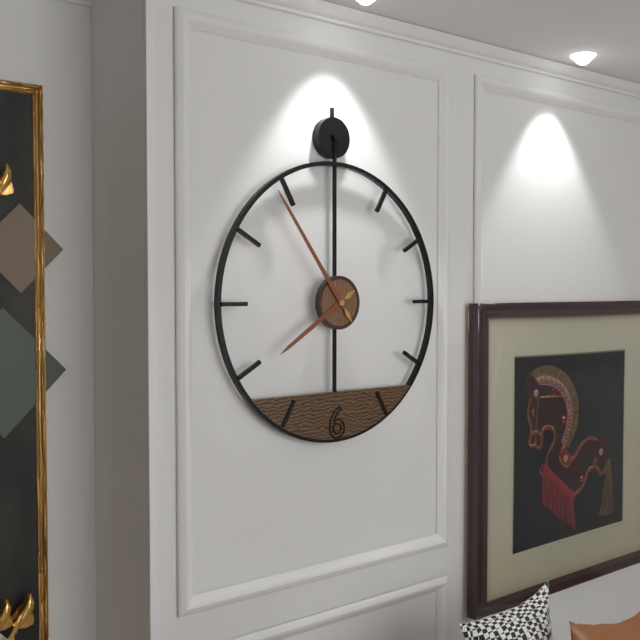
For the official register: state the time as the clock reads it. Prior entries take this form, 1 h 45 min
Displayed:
7 h 54 min
